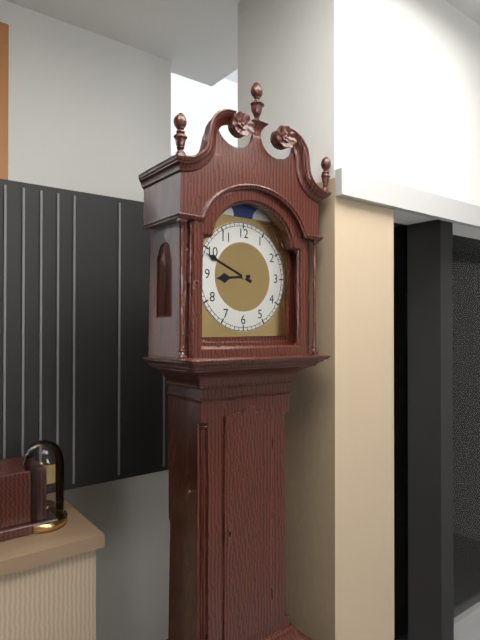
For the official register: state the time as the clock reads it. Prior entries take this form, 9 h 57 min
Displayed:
8 h 49 min
